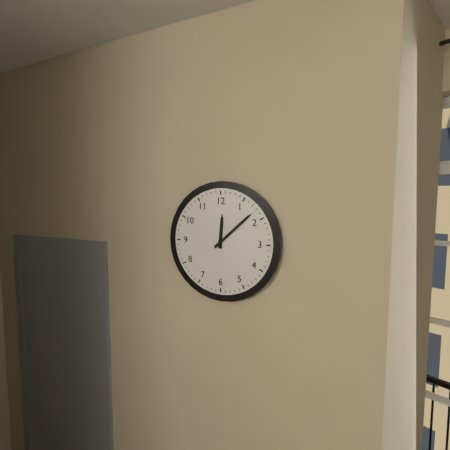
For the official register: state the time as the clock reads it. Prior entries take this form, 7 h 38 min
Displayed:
12 h 08 min
